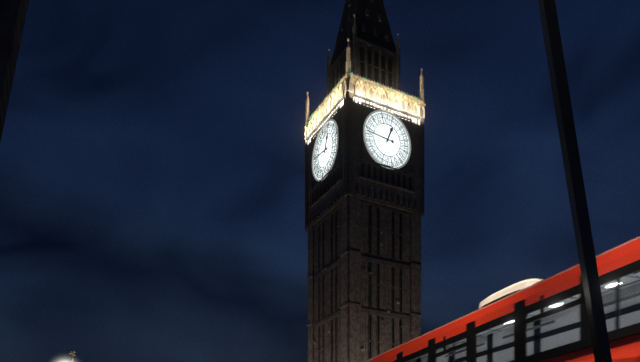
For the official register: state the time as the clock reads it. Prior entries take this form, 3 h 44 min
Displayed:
12 h 46 min
